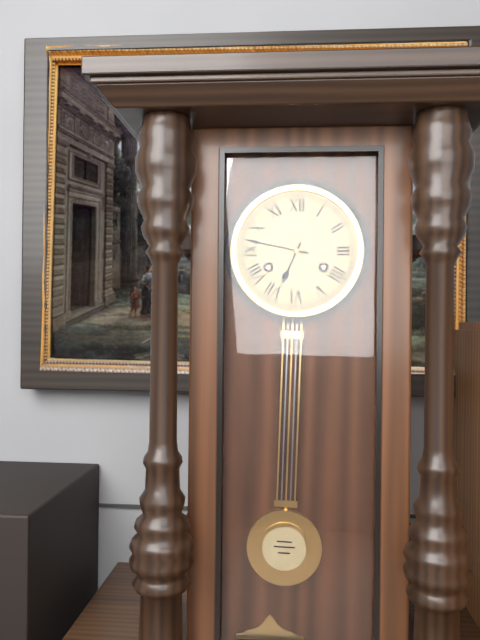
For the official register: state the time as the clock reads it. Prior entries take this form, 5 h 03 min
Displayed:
6 h 47 min
